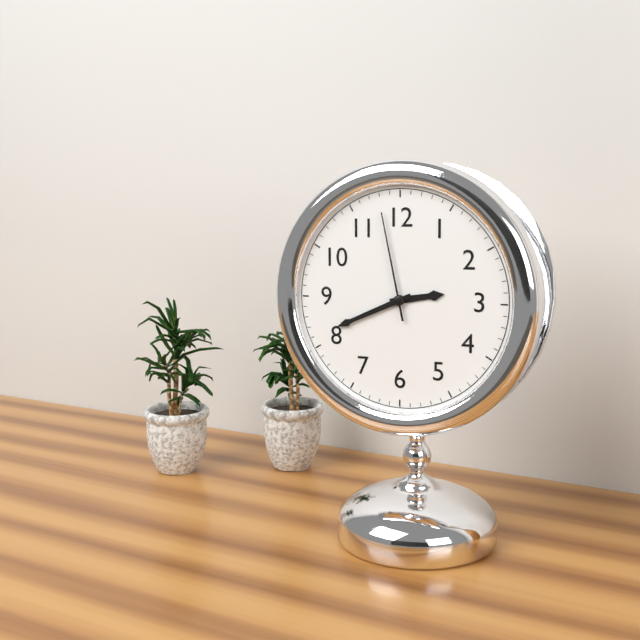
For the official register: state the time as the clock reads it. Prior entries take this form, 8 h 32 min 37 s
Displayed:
2 h 41 min 58 s
